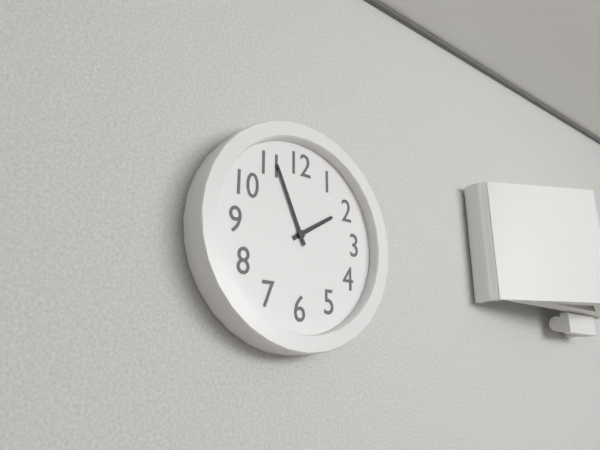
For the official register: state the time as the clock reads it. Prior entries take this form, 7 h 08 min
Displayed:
1 h 56 min
